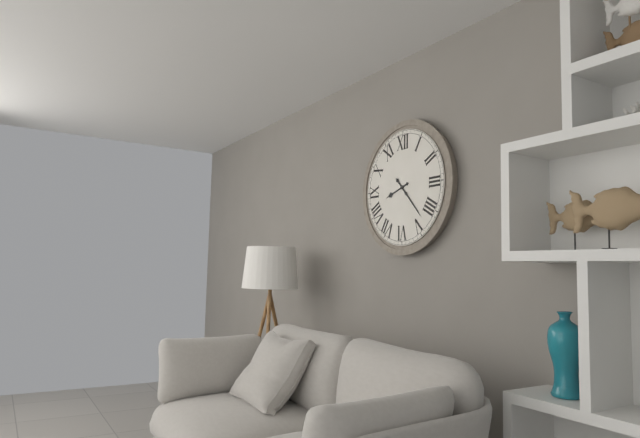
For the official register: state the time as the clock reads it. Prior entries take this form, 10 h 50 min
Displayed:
8 h 23 min
